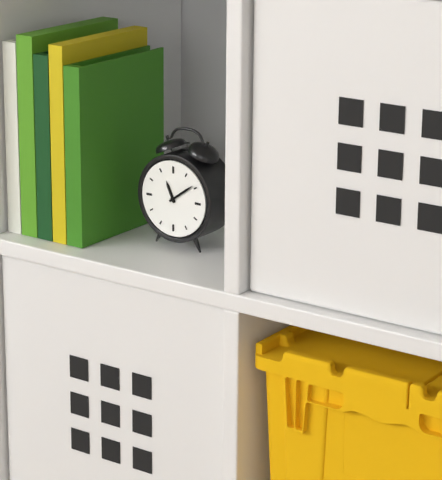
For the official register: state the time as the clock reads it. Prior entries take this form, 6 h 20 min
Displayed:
11 h 09 min
